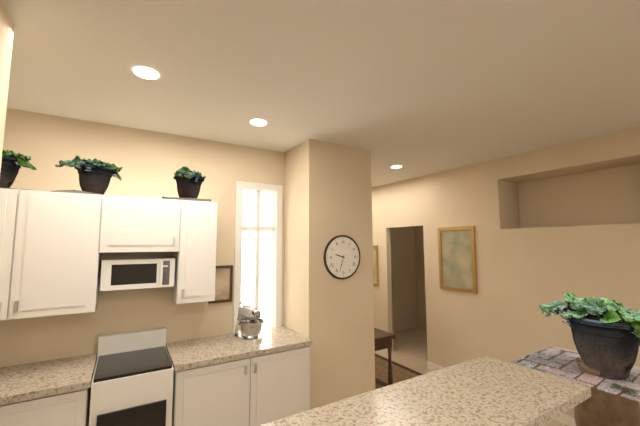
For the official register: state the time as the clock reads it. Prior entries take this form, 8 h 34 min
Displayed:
9 h 33 min
